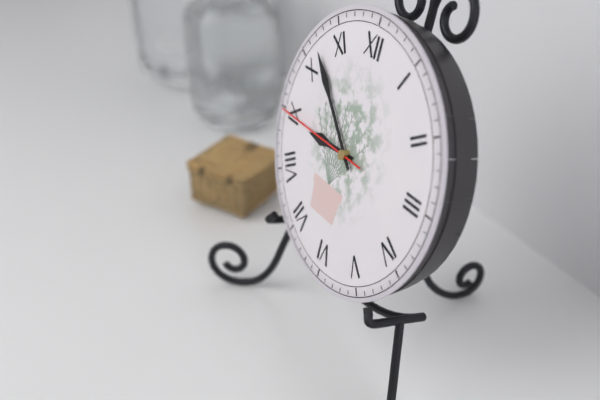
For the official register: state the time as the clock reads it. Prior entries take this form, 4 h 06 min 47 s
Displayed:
8 h 52 min 45 s
